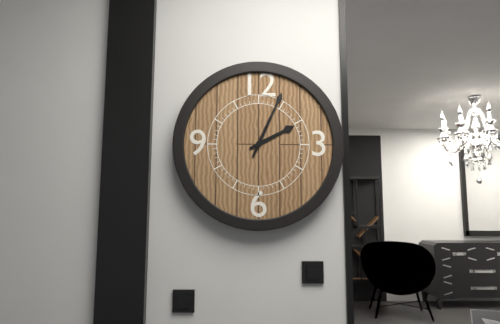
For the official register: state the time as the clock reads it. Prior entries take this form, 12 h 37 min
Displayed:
2 h 04 min
